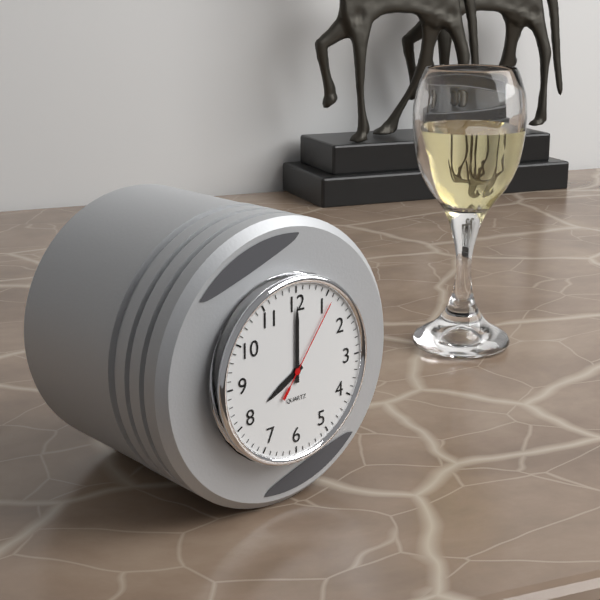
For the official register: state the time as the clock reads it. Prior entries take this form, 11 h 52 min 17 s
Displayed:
8 h 00 min 06 s
